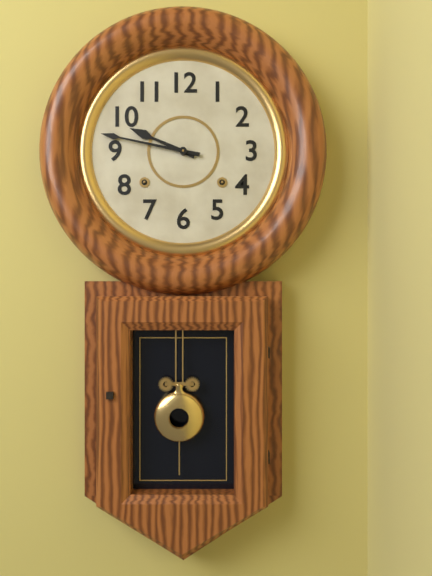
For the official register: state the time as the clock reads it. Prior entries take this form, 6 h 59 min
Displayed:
9 h 47 min
